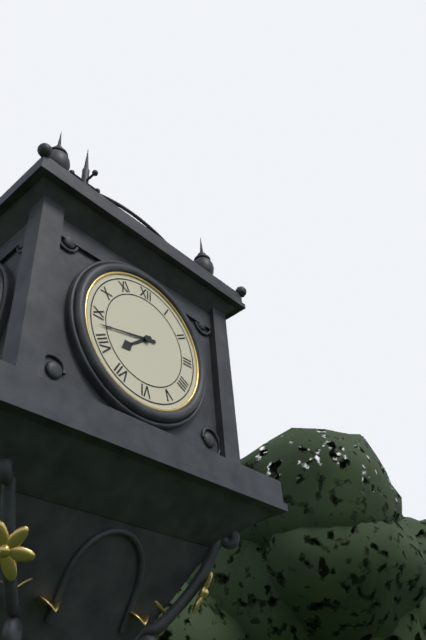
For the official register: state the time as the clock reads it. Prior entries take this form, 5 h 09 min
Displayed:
7 h 43 min
